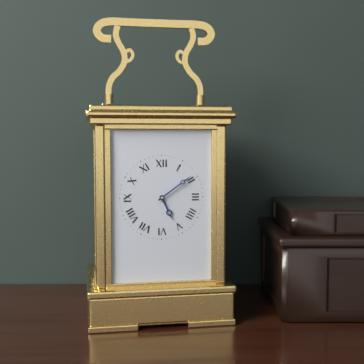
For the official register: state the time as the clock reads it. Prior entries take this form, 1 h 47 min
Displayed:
5 h 09 min
